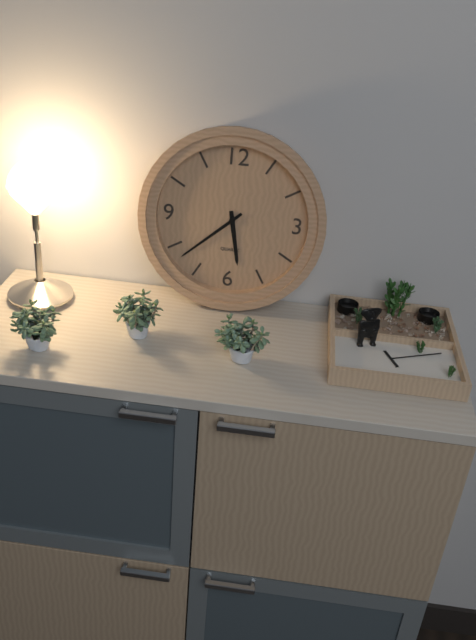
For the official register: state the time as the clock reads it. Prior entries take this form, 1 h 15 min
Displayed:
5 h 38 min
